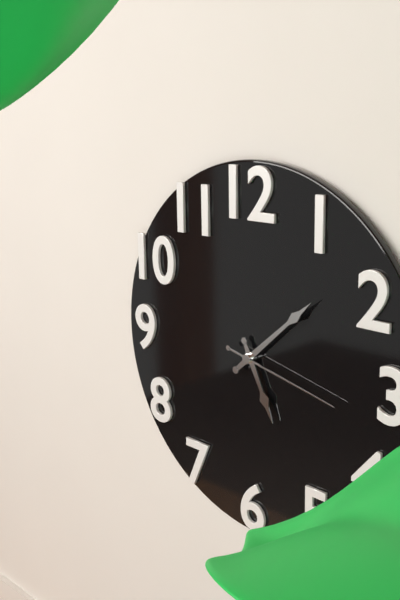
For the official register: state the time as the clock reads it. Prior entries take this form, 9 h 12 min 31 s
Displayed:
5 h 08 min 17 s
